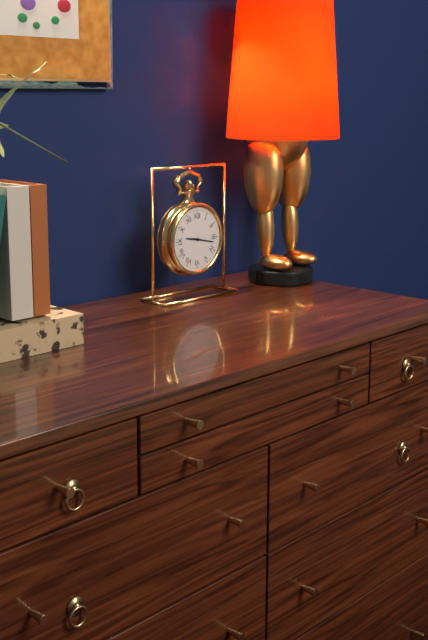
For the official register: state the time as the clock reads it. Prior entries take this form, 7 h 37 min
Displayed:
9 h 17 min
